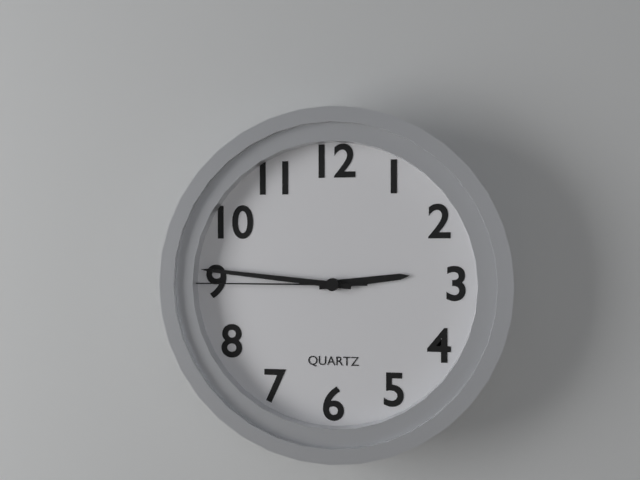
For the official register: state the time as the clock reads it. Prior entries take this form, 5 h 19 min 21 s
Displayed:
2 h 46 min 45 s
